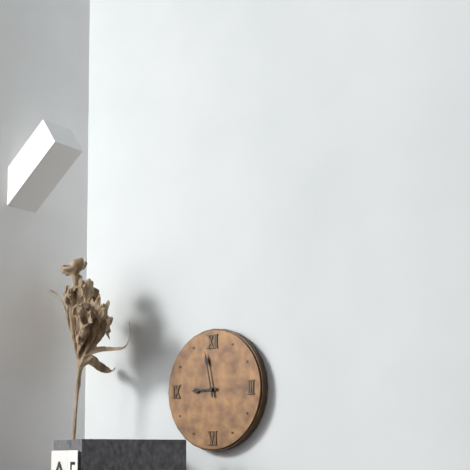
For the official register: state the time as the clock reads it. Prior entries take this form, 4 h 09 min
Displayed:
8 h 58 min
